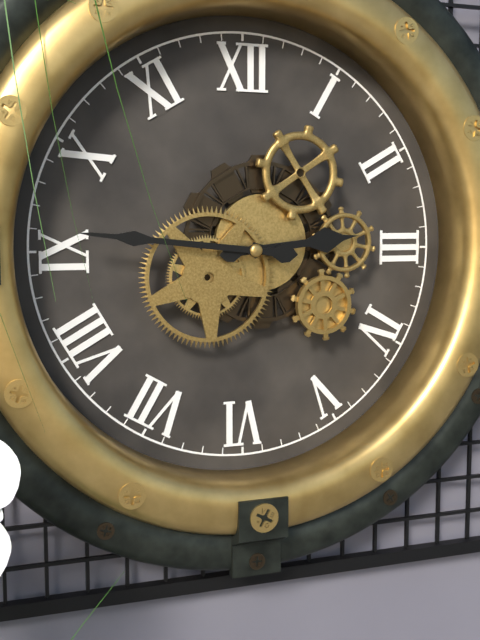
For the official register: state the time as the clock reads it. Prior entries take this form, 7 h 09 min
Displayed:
2 h 46 min
